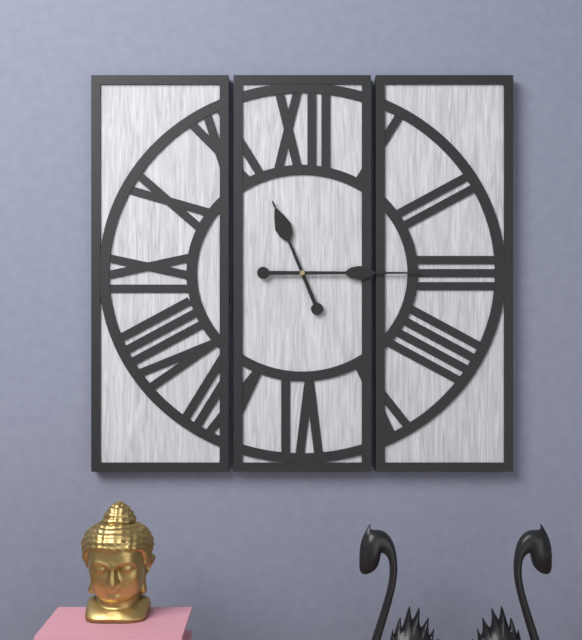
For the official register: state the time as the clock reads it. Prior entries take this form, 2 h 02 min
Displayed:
11 h 15 min
